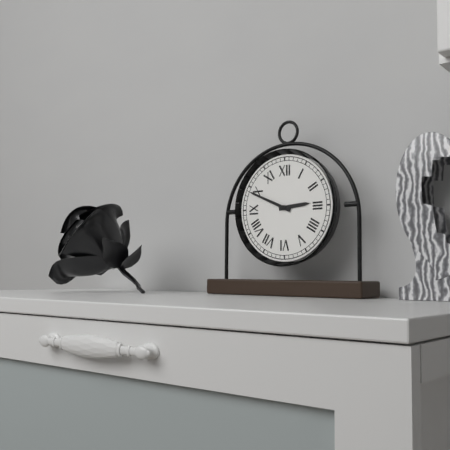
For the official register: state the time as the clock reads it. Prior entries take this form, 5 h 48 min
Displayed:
2 h 49 min
